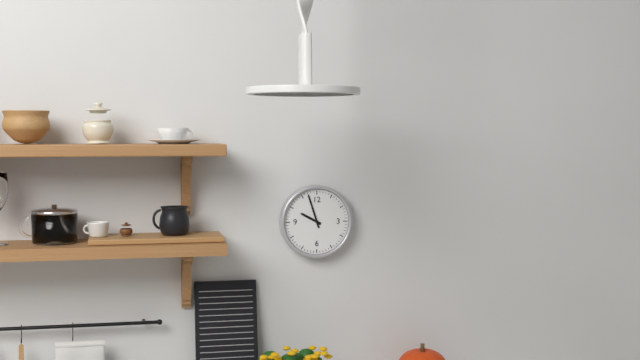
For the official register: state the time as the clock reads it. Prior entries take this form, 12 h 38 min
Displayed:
9 h 57 min
